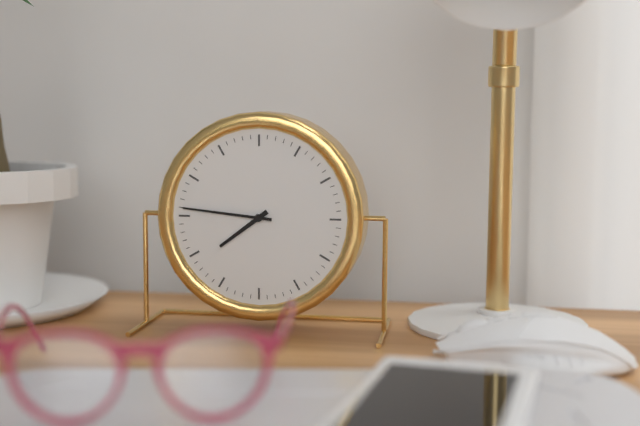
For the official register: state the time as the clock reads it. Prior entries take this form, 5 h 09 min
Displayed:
7 h 46 min
